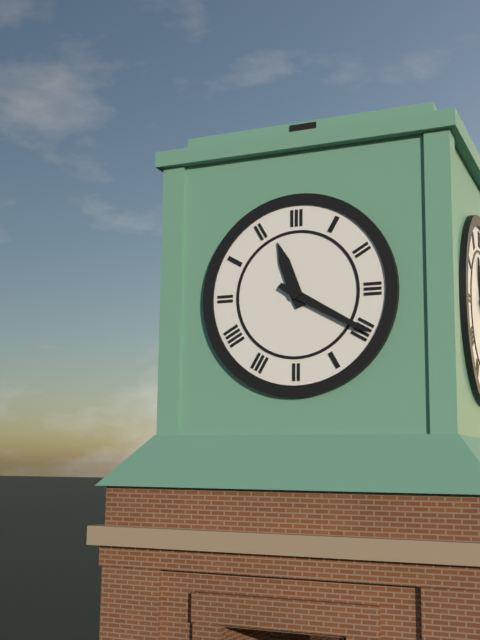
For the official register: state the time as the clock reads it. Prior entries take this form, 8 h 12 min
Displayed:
11 h 20 min
